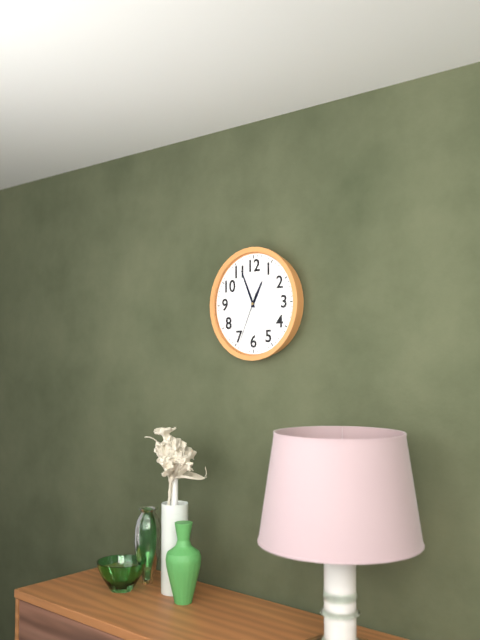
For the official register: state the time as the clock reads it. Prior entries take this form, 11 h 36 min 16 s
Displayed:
12 h 56 min 34 s
